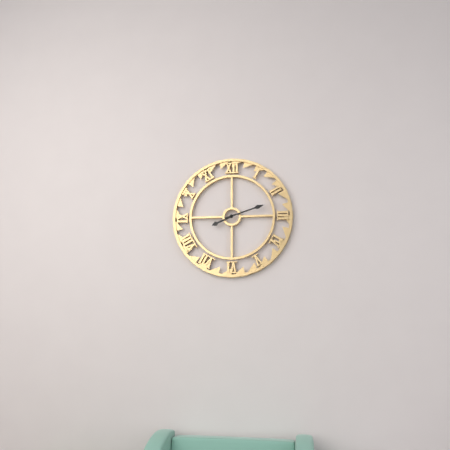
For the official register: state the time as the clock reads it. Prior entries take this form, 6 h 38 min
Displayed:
8 h 12 min
